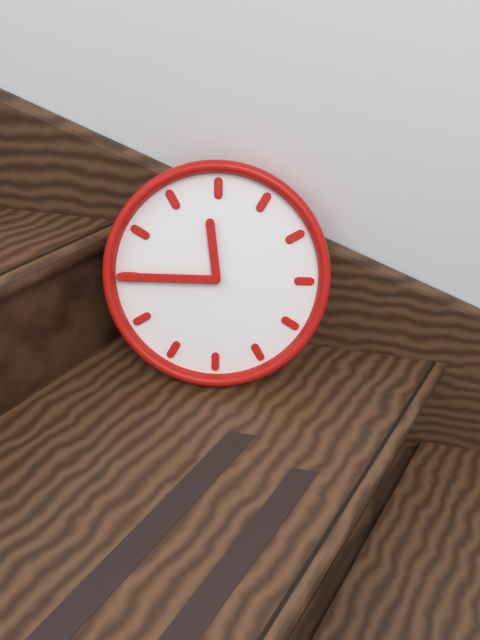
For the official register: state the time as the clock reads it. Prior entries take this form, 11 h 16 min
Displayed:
11 h 45 min
